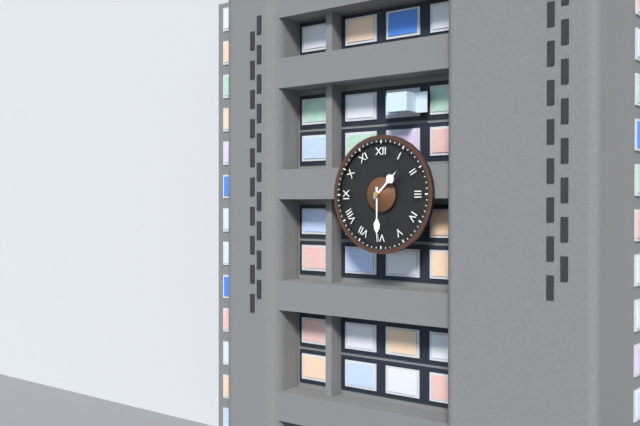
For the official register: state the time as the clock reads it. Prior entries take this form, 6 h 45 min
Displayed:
1 h 30 min
